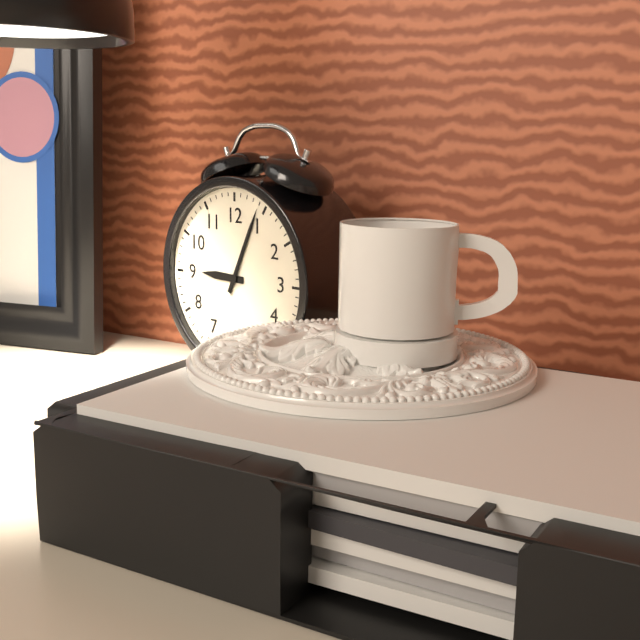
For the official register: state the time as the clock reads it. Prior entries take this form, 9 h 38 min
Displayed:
9 h 04 min
